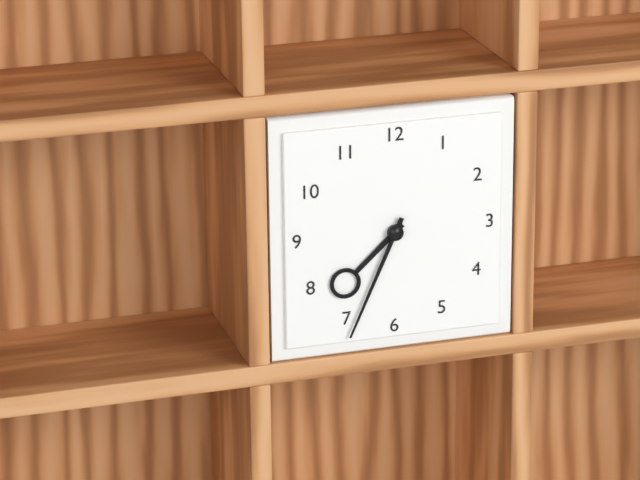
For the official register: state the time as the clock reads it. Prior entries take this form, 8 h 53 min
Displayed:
7 h 34 min
